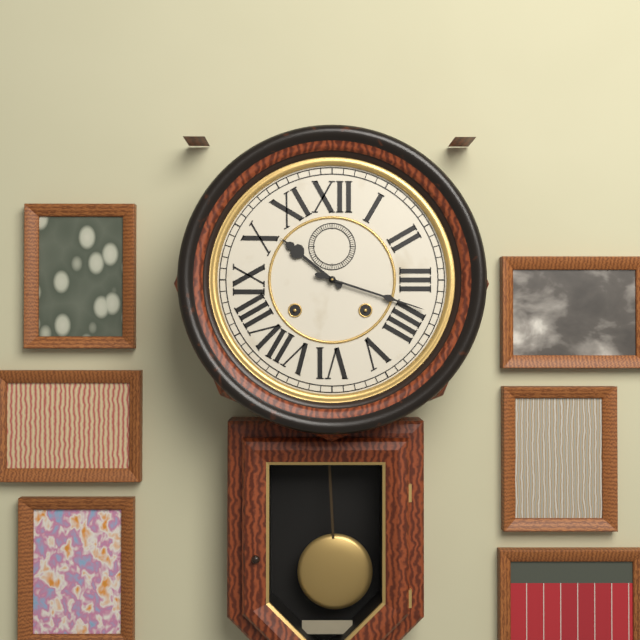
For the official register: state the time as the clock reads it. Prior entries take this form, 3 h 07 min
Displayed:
10 h 18 min
